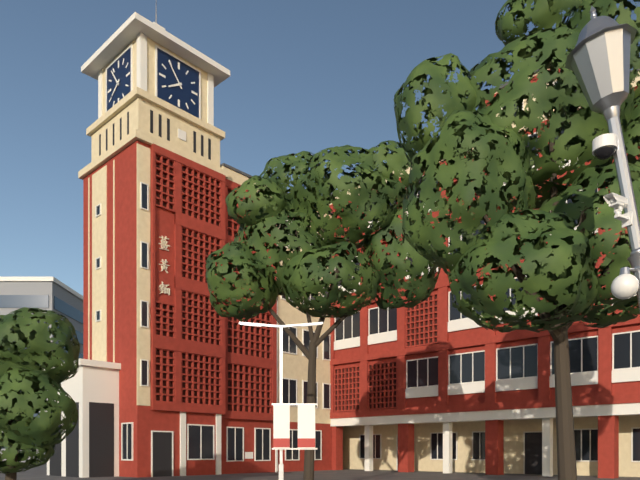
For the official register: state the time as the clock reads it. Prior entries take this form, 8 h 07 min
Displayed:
7 h 54 min
